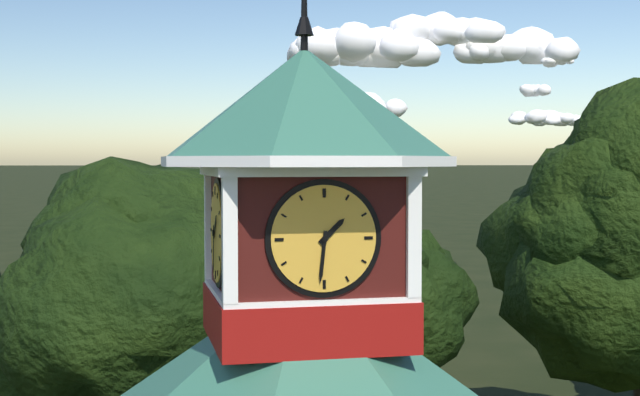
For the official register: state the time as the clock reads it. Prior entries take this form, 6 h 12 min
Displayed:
1 h 31 min
